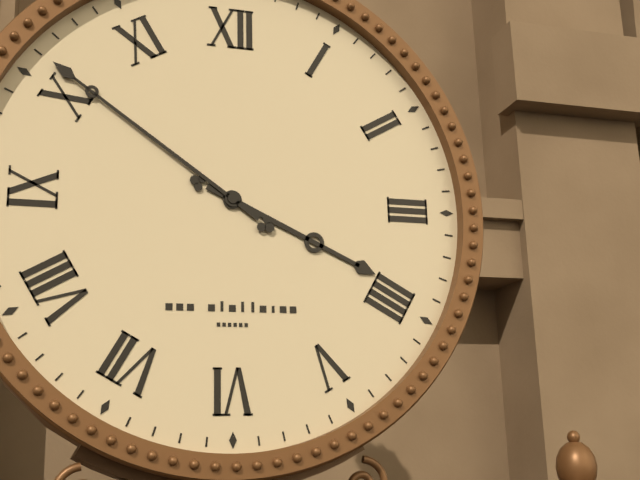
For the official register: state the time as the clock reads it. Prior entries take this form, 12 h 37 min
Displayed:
3 h 51 min
